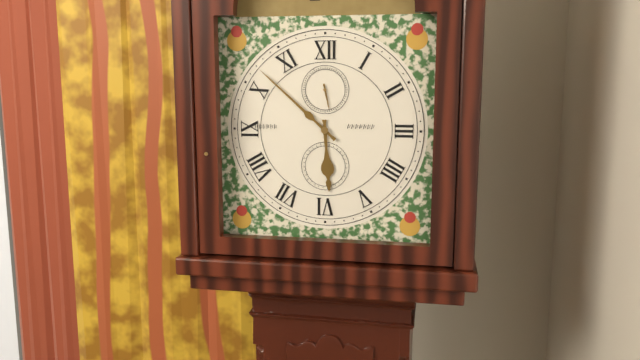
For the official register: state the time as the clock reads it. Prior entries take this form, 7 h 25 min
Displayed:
5 h 52 min
